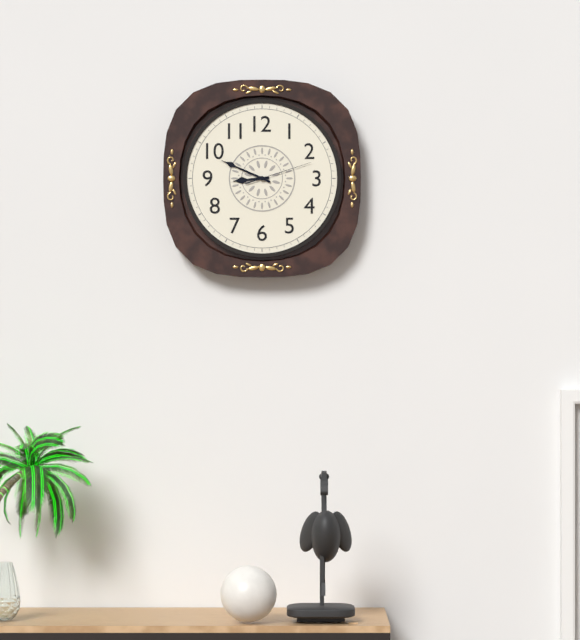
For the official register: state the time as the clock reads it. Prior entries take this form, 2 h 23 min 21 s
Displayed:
8 h 49 min 12 s
